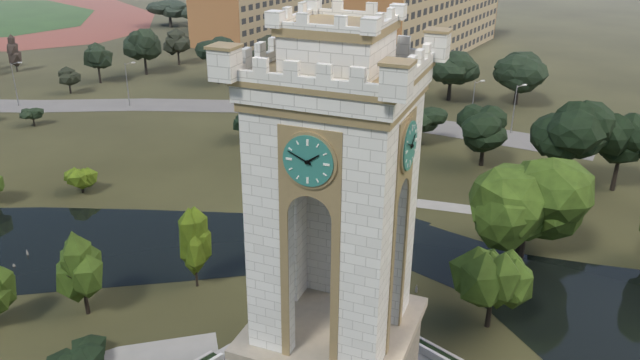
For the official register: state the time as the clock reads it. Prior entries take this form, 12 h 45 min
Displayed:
1 h 49 min
